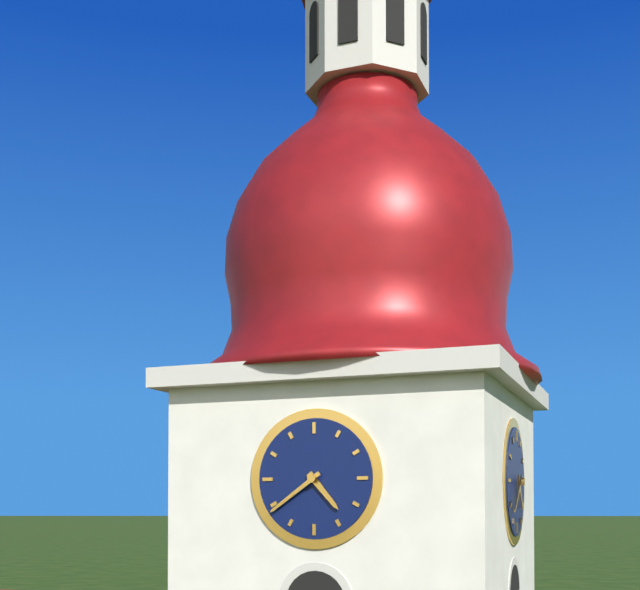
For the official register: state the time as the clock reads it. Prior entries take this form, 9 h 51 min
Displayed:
4 h 39 min
